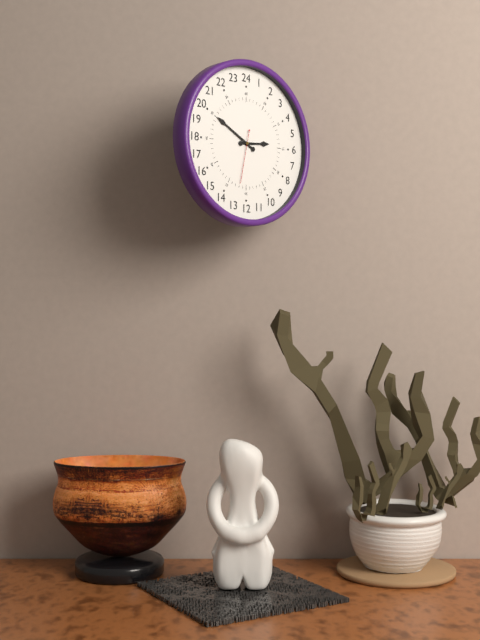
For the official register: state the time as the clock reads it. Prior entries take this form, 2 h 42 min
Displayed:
2 h 50 min
